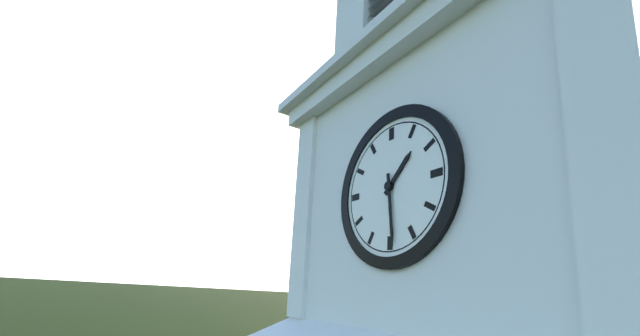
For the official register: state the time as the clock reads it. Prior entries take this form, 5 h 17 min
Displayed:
1 h 29 min
